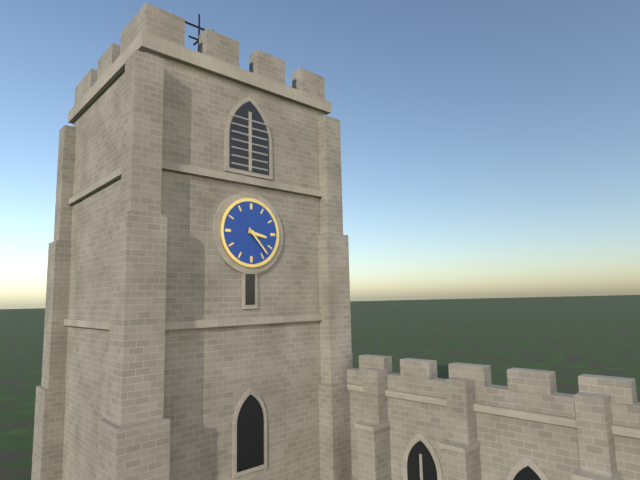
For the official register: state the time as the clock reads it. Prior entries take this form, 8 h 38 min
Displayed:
3 h 23 min
